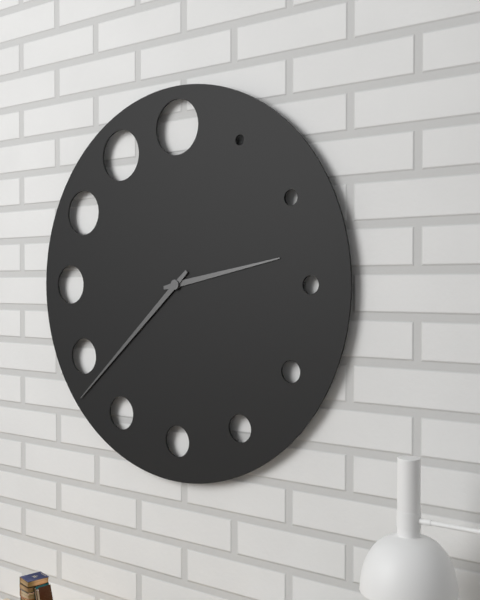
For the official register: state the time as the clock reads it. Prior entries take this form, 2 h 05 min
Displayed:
2 h 38 min
